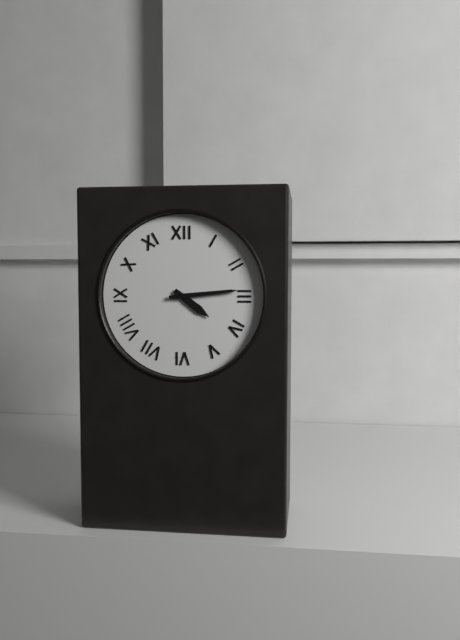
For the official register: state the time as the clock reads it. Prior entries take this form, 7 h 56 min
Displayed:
4 h 14 min
